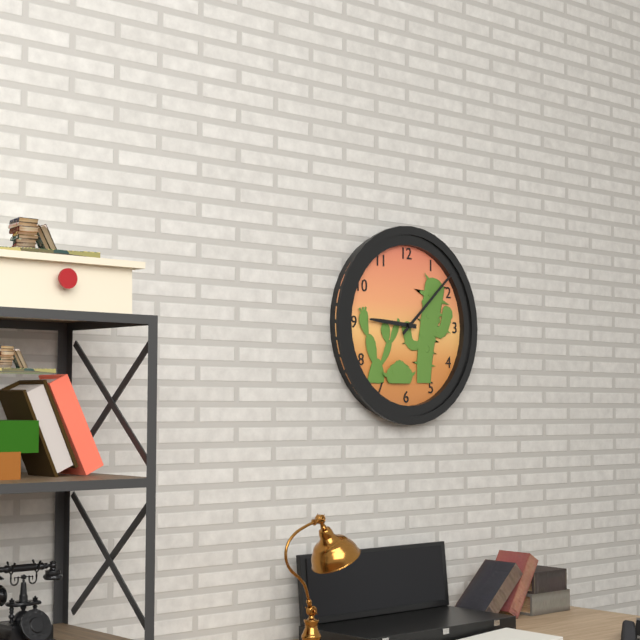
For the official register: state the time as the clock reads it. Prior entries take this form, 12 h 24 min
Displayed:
9 h 08 min
